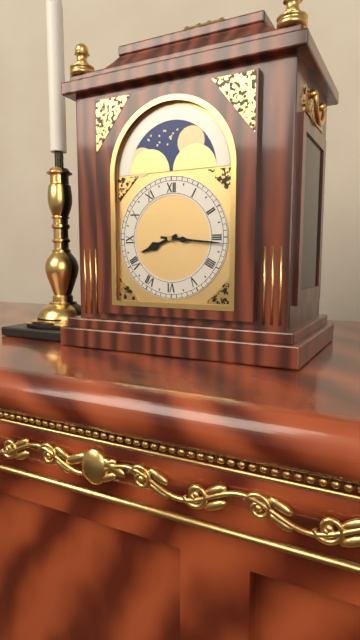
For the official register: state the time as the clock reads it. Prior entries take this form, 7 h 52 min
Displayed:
8 h 16 min
